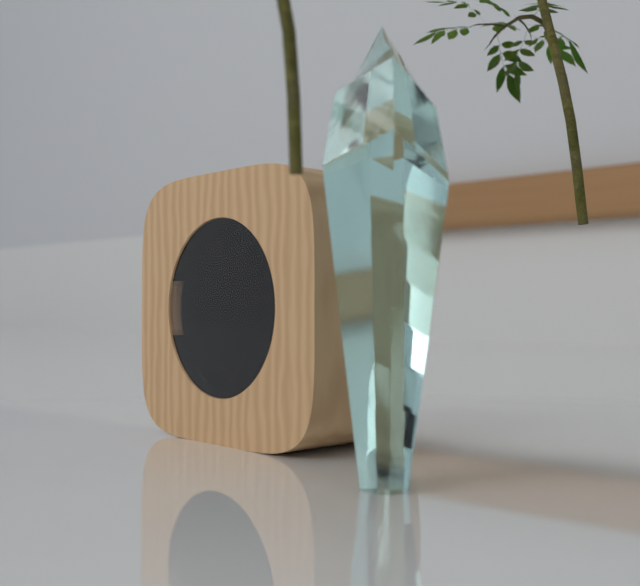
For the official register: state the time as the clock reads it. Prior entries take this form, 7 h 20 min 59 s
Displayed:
10 h 15 min 42 s
